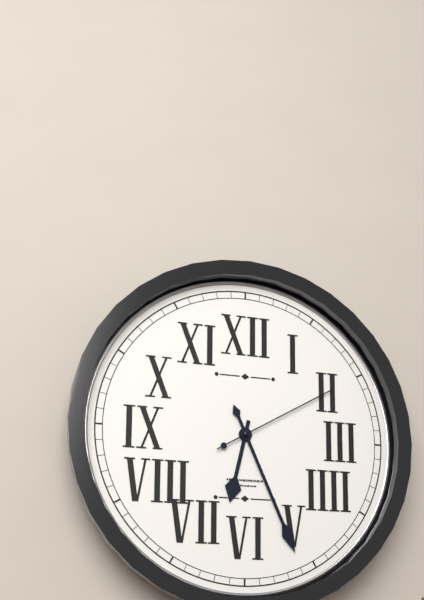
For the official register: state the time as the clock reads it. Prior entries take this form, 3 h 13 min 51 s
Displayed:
6 h 26 min 10 s
